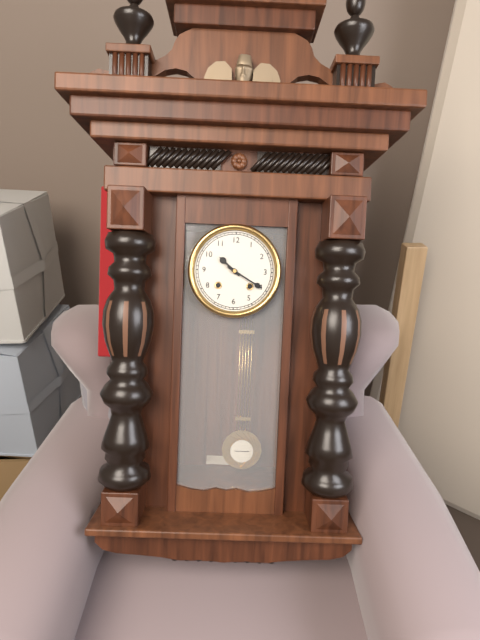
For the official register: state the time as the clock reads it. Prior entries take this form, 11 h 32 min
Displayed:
10 h 20 min
